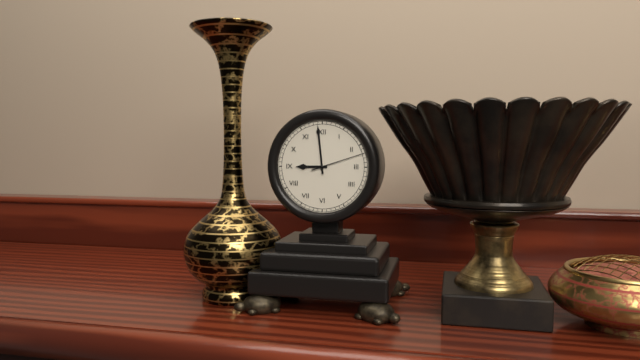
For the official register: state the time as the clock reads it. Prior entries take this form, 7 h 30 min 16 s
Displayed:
8 h 59 min 12 s
